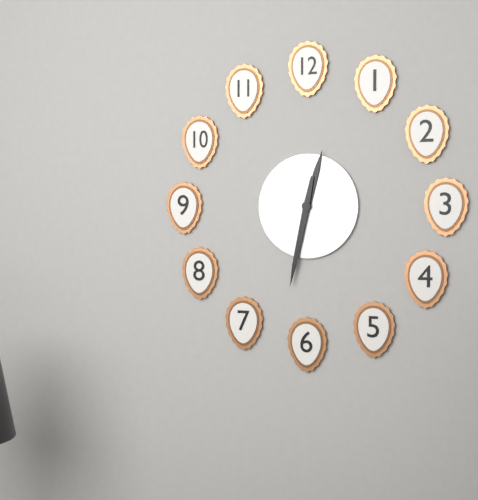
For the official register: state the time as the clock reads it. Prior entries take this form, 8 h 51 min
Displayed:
12 h 32 min
